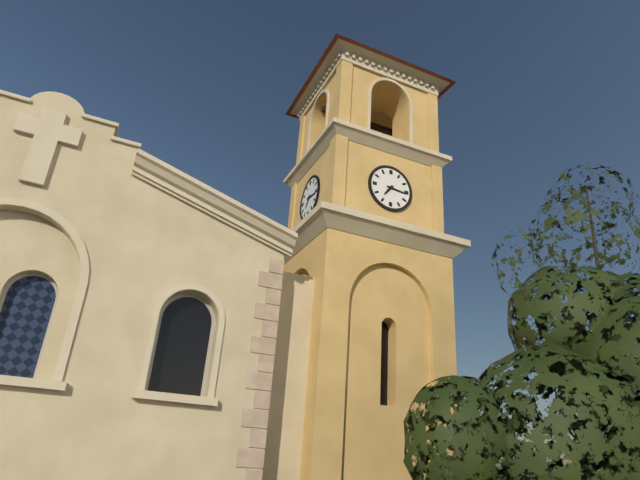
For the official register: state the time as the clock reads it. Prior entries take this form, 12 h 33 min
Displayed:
7 h 16 min
